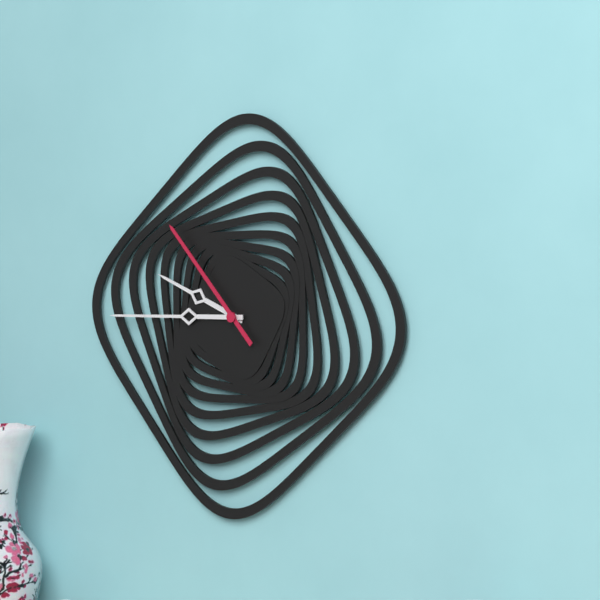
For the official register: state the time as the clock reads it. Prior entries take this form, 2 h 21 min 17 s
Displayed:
9 h 45 min 53 s
